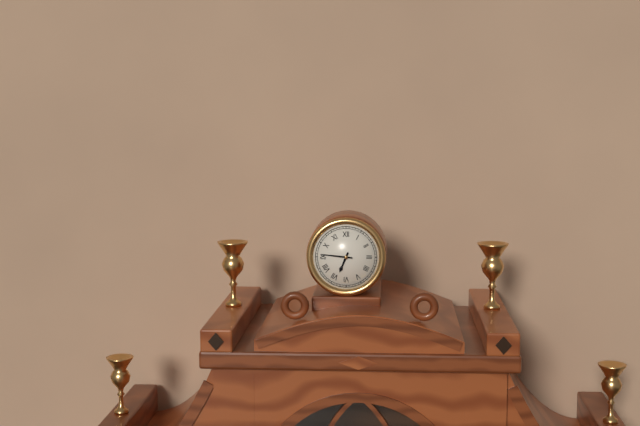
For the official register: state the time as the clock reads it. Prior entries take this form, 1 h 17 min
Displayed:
6 h 46 min
